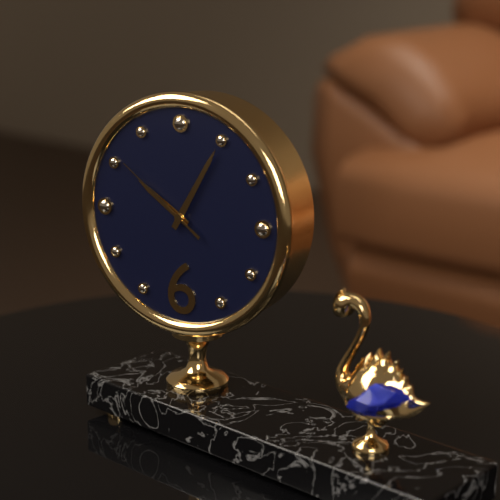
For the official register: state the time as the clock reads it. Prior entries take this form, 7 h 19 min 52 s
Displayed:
10 h 05 min 51 s
